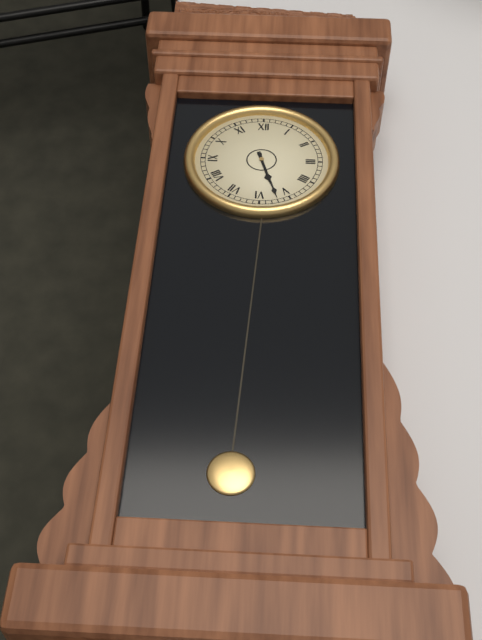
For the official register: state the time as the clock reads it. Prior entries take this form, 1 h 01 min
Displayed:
5 h 27 min
